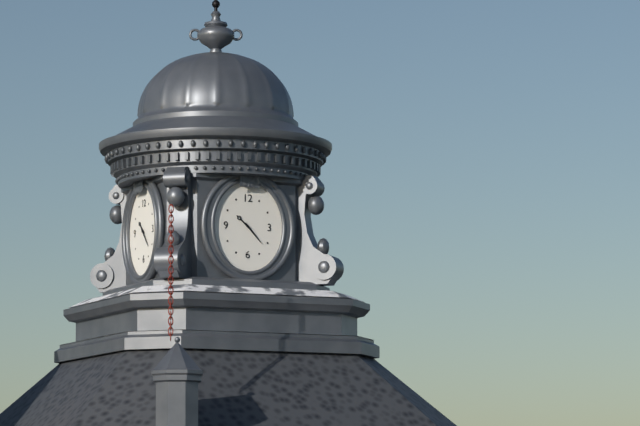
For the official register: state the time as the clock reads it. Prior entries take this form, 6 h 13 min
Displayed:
10 h 23 min
